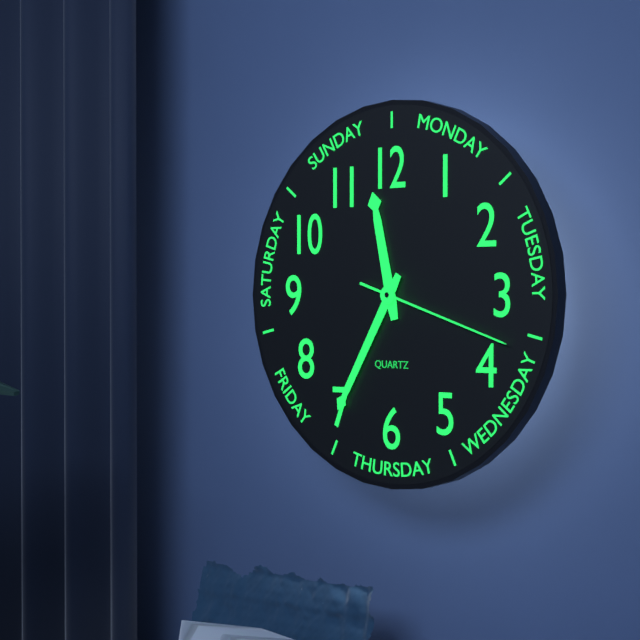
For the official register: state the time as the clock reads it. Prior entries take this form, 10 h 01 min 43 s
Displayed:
11 h 35 min 18 s
